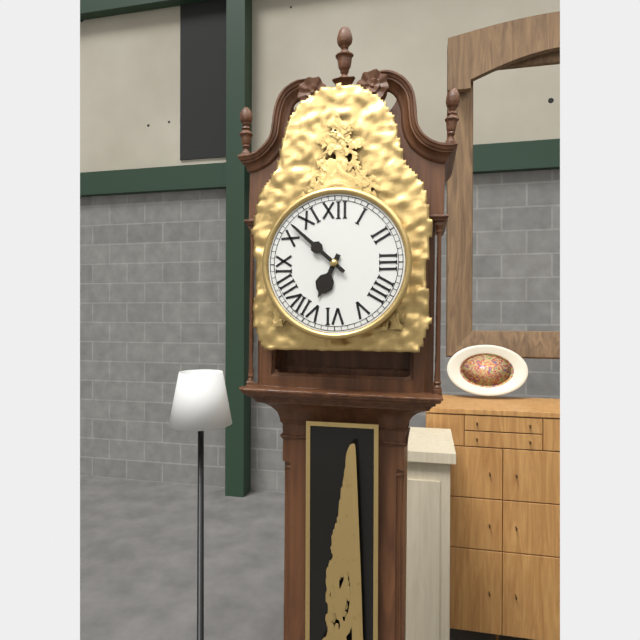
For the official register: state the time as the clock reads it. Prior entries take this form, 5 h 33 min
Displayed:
6 h 52 min
